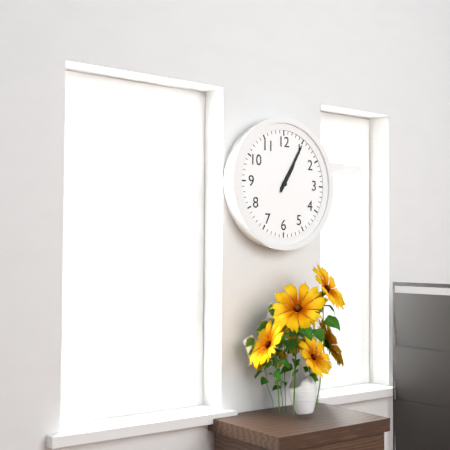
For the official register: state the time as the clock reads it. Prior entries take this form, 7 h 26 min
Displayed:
1 h 05 min
